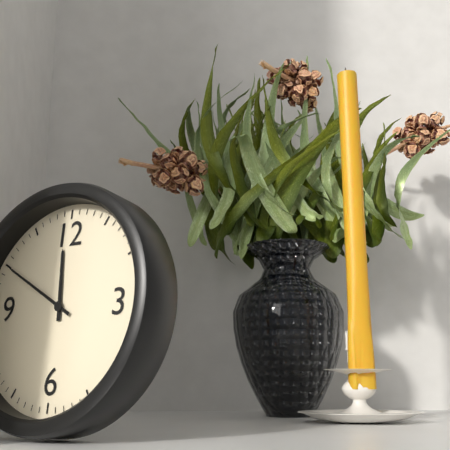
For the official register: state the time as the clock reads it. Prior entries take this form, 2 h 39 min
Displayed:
11 h 50 min
